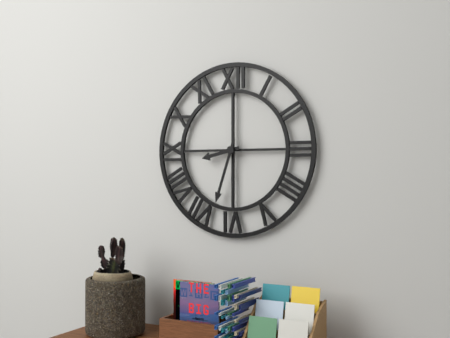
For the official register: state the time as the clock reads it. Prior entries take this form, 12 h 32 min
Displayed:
8 h 33 min
